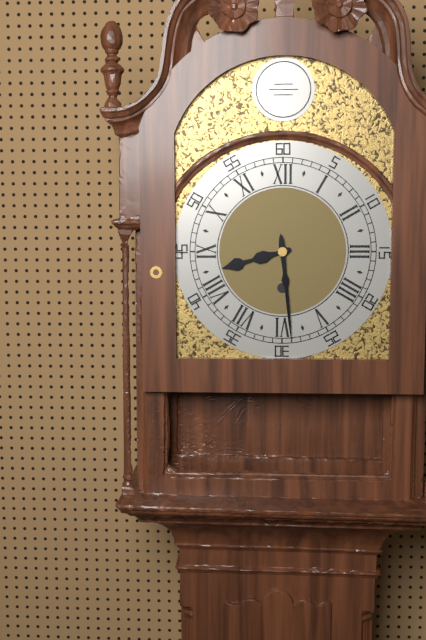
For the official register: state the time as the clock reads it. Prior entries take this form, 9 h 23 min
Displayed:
8 h 29 min
